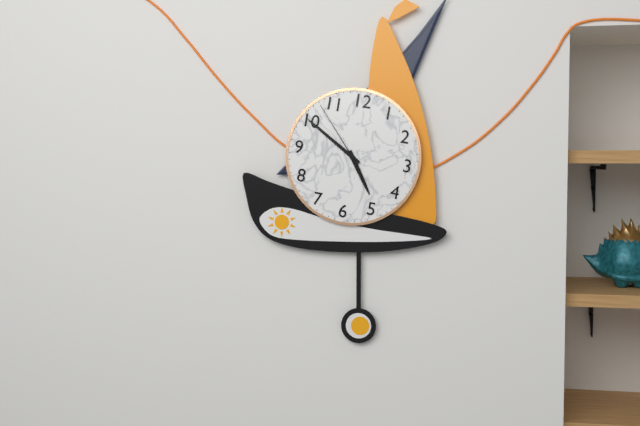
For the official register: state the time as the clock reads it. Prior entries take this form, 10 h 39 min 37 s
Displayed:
4 h 50 min 53 s
